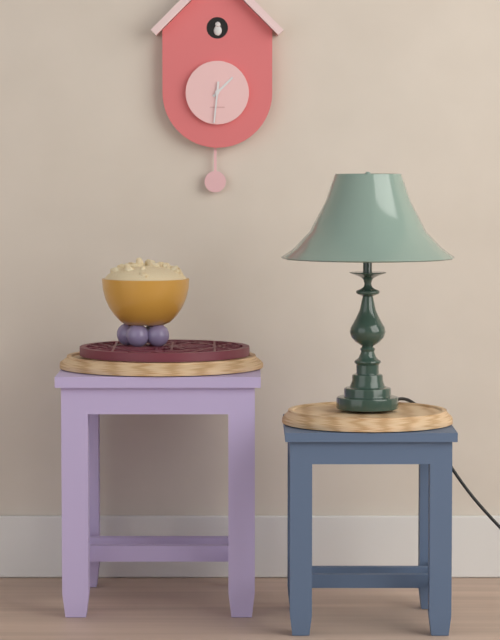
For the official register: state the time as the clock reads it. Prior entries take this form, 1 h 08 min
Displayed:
1 h 31 min
